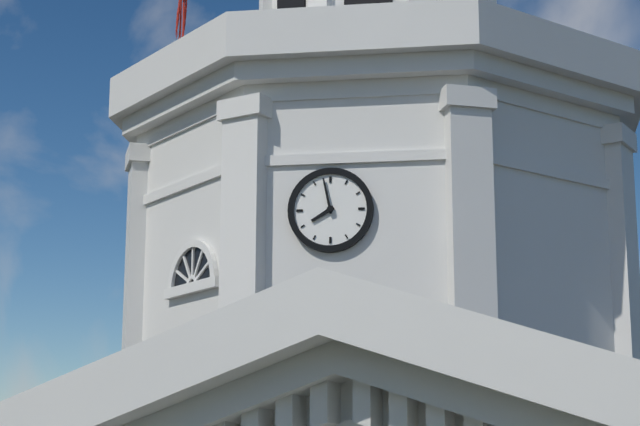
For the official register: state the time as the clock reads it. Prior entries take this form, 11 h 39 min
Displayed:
7 h 58 min
